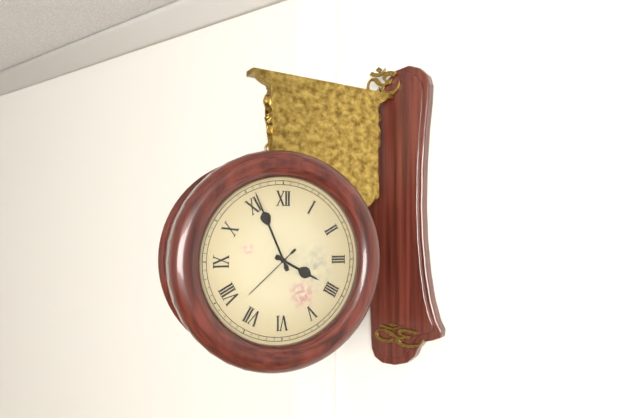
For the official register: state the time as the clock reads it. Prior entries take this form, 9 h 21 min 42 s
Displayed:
3 h 56 min 38 s
